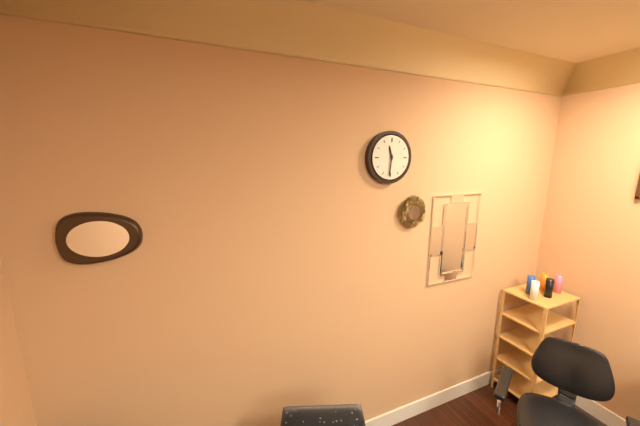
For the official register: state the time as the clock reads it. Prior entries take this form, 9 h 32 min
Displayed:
11 h 31 min
